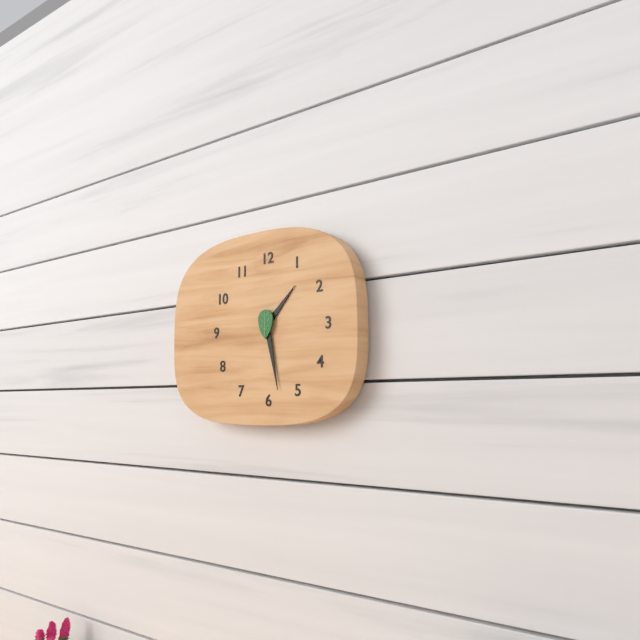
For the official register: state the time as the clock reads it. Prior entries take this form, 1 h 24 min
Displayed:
1 h 28 min
